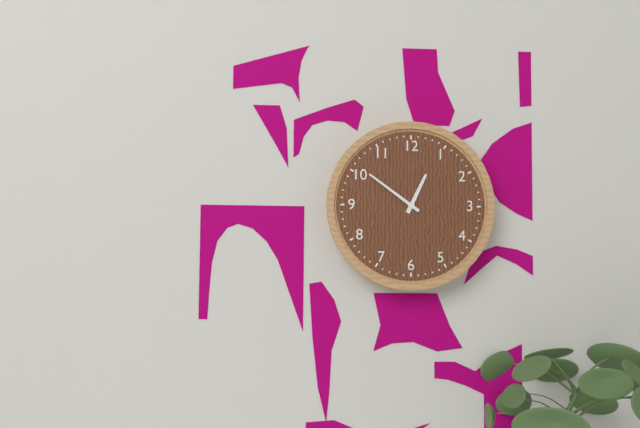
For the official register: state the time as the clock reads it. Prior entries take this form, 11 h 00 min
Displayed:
12 h 51 min
